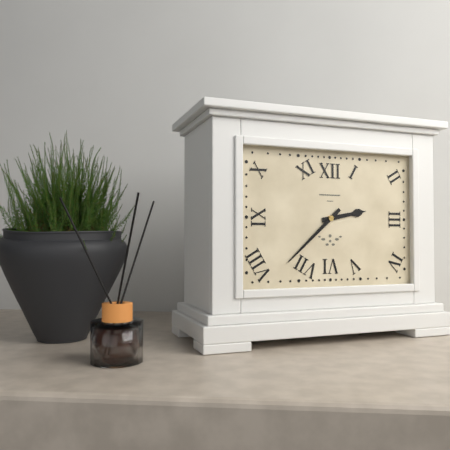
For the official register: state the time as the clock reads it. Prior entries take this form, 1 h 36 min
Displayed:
2 h 38 min
